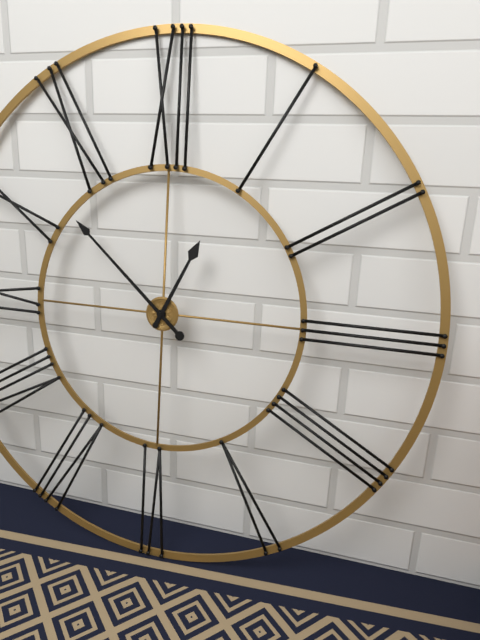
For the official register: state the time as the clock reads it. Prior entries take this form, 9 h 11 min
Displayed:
12 h 52 min
